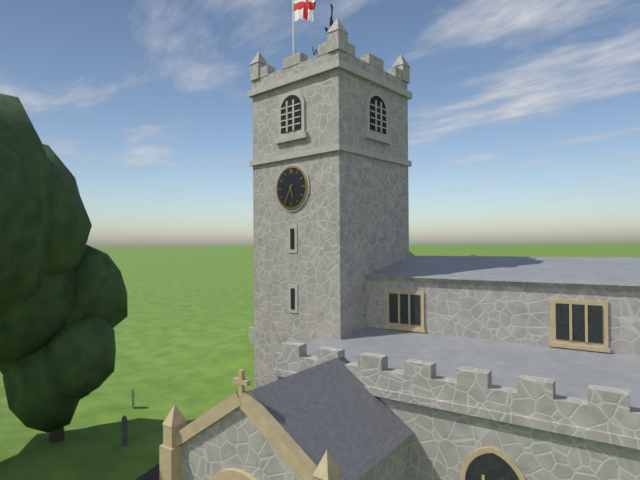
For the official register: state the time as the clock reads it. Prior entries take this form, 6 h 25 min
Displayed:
5 h 35 min
